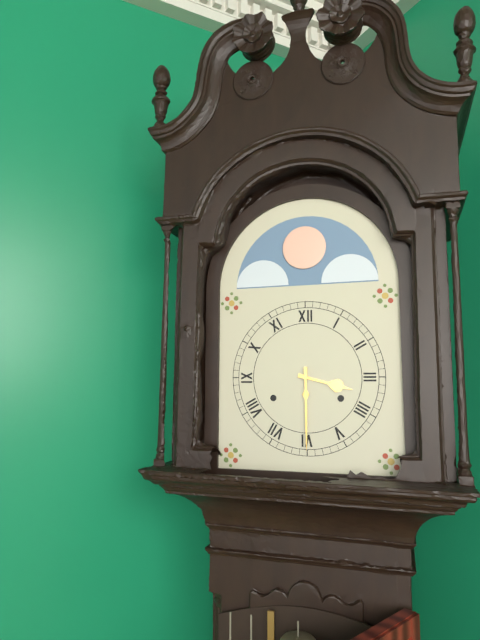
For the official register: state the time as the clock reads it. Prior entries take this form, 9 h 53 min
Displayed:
3 h 30 min
